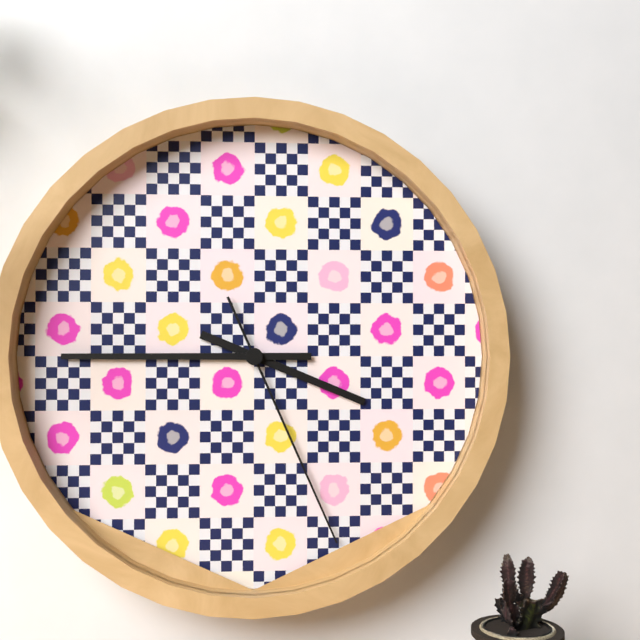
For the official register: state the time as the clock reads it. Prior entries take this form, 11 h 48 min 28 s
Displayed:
3 h 45 min 26 s
